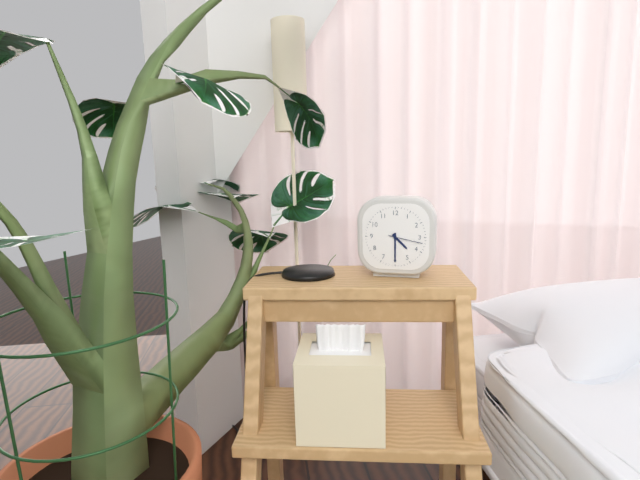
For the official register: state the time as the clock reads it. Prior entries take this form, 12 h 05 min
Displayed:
4 h 30 min
